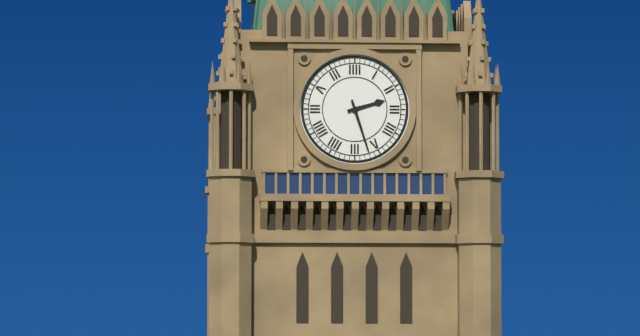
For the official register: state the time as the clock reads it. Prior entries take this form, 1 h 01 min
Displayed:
2 h 27 min
